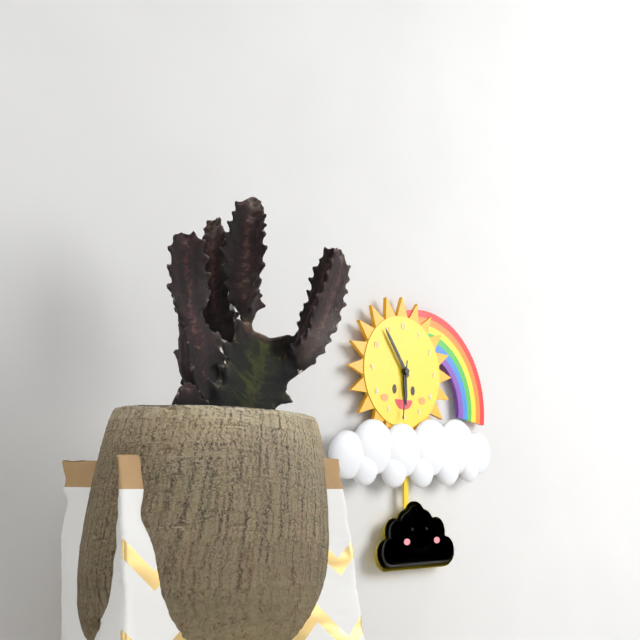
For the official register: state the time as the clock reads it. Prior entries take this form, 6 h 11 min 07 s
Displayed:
5 h 54 min 31 s
